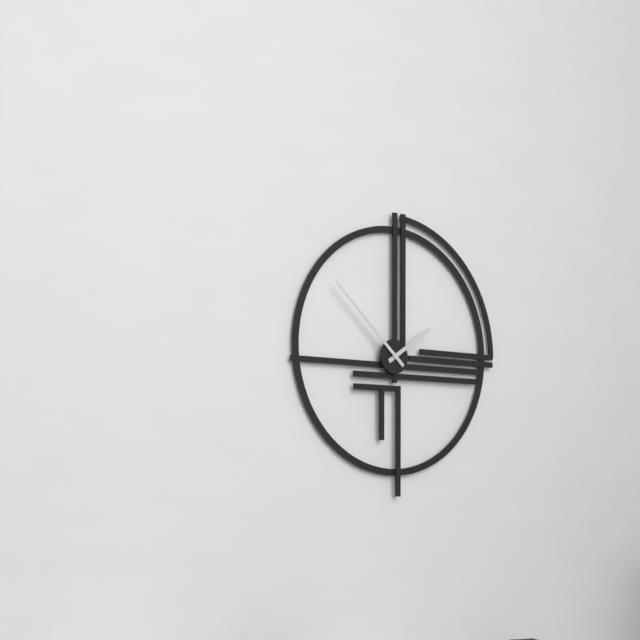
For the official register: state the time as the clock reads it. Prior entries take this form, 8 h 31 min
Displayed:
1 h 52 min
